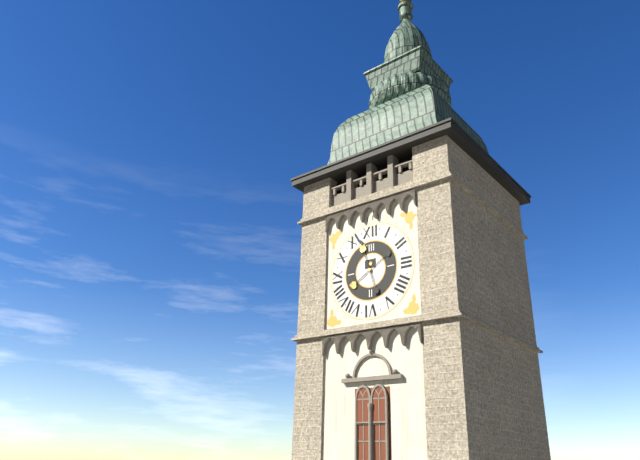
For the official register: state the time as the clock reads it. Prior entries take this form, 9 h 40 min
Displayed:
7 h 57 min
